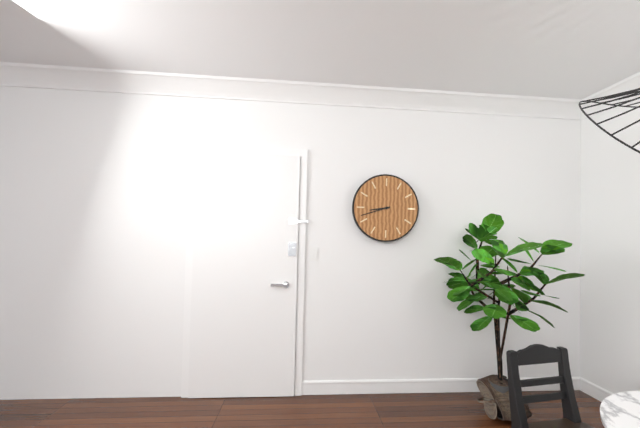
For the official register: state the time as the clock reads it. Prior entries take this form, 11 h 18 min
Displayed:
8 h 42 min
